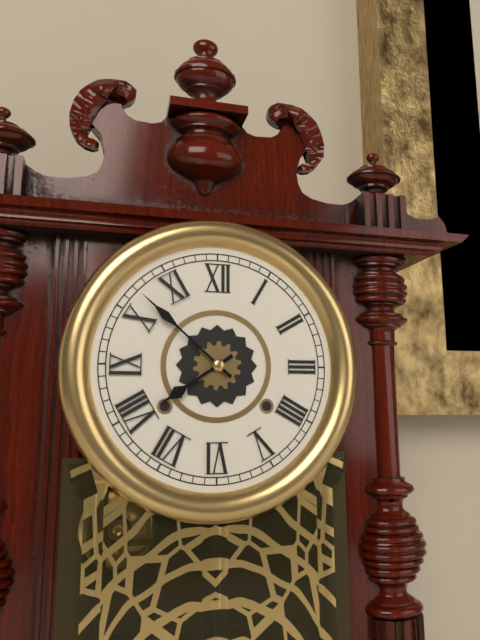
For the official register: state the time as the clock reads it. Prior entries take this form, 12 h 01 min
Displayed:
7 h 52 min
